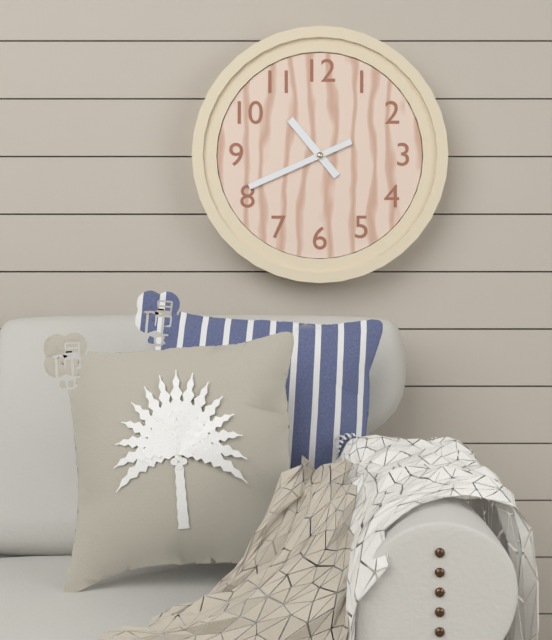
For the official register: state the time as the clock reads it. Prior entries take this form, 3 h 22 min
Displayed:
10 h 41 min
